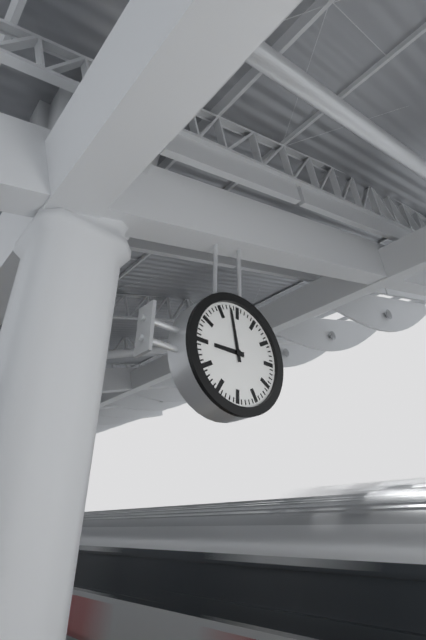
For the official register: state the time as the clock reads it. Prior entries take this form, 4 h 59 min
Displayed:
8 h 58 min
